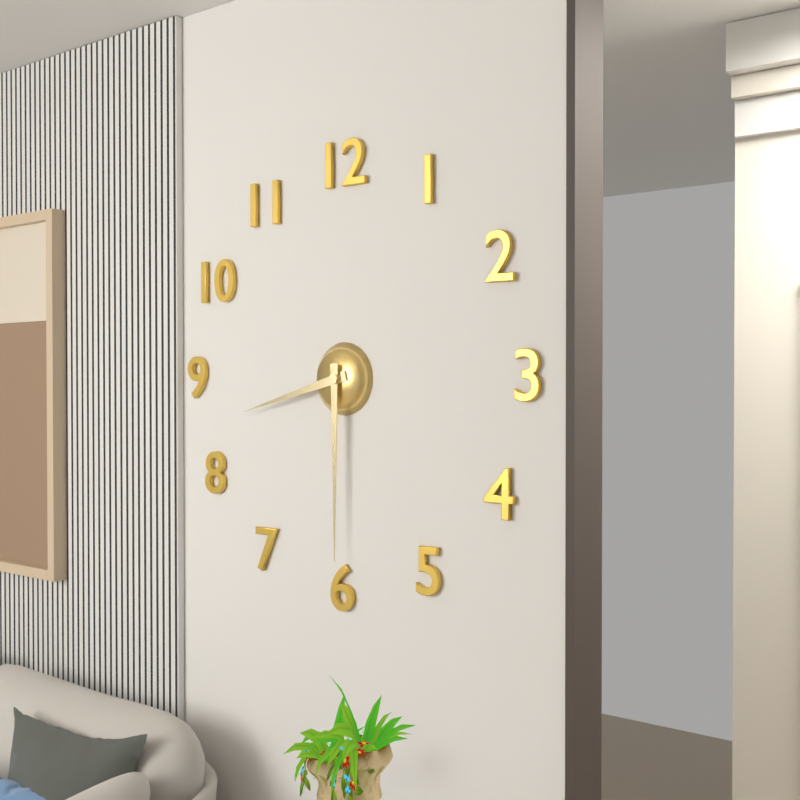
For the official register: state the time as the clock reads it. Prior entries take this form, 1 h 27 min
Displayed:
8 h 30 min
